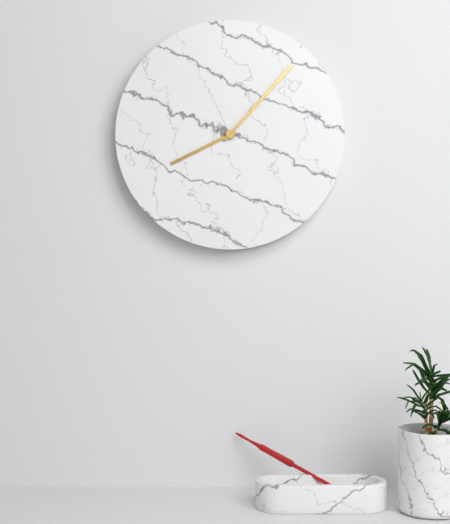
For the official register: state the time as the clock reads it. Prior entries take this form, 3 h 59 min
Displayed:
8 h 07 min
